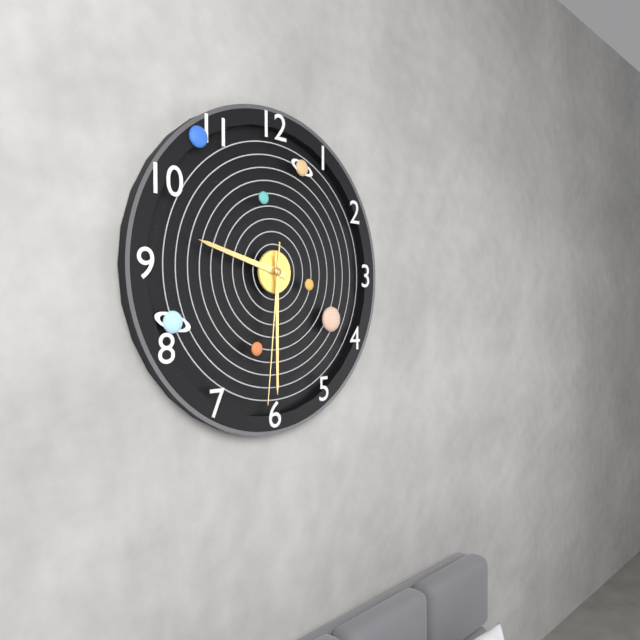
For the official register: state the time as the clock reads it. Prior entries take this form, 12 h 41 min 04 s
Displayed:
9 h 30 min 31 s
